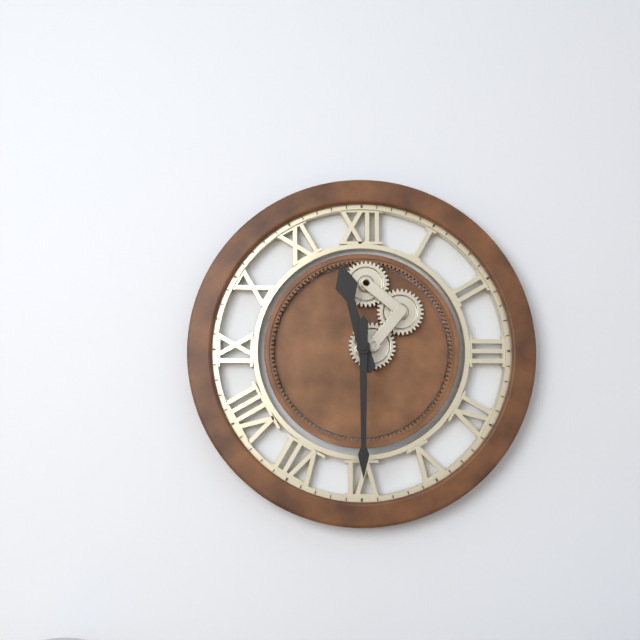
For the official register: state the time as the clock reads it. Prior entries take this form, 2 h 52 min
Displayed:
11 h 30 min
